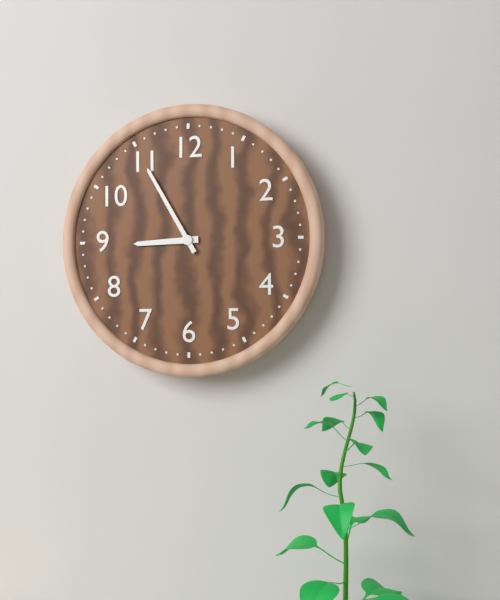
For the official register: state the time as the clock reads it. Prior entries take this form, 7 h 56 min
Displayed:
8 h 55 min
